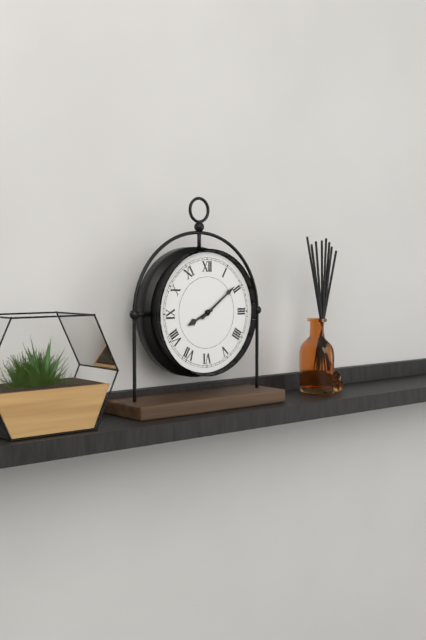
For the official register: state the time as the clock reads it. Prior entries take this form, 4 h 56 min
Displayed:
8 h 09 min
